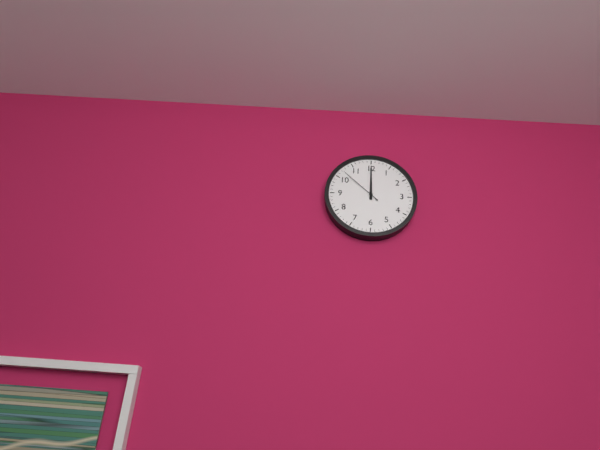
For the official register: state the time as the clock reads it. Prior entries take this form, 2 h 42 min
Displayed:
12 h 00 min
